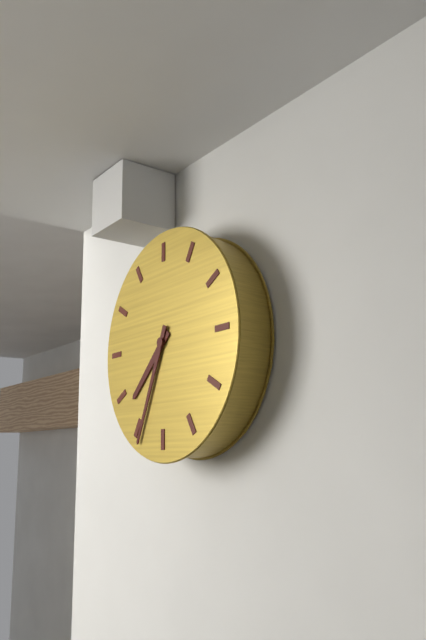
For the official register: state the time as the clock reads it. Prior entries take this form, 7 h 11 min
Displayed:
7 h 34 min
